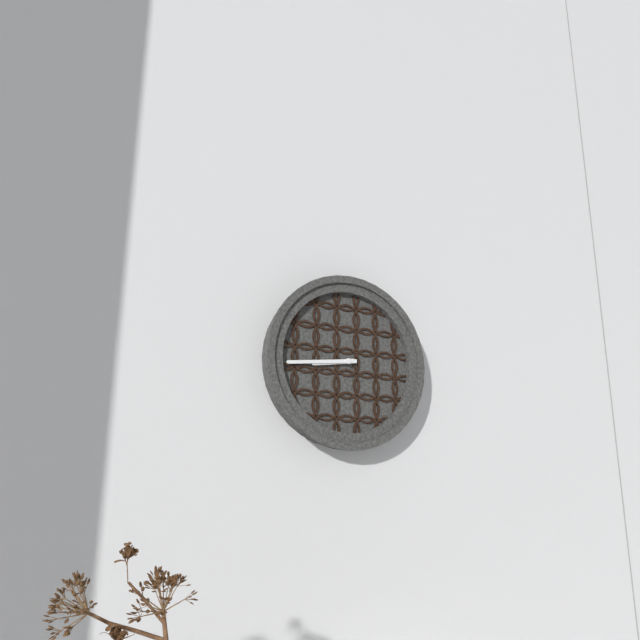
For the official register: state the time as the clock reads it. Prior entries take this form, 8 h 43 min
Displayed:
8 h 44 min
